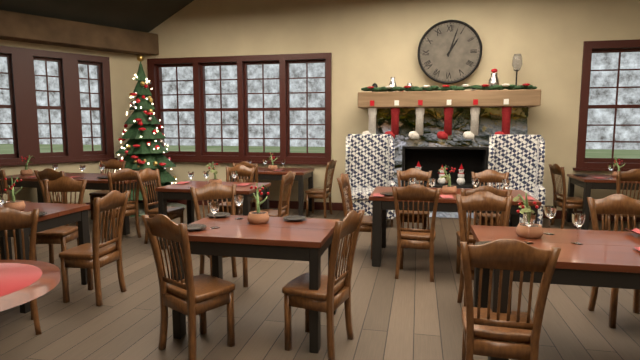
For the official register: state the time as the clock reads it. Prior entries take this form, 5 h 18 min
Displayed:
1 h 03 min
